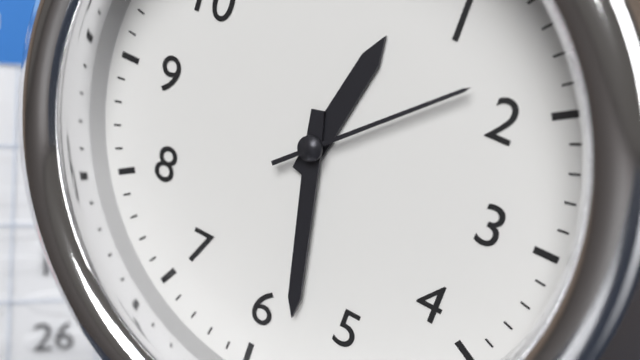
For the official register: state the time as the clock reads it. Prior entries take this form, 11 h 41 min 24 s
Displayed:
12 h 28 min 08 s
